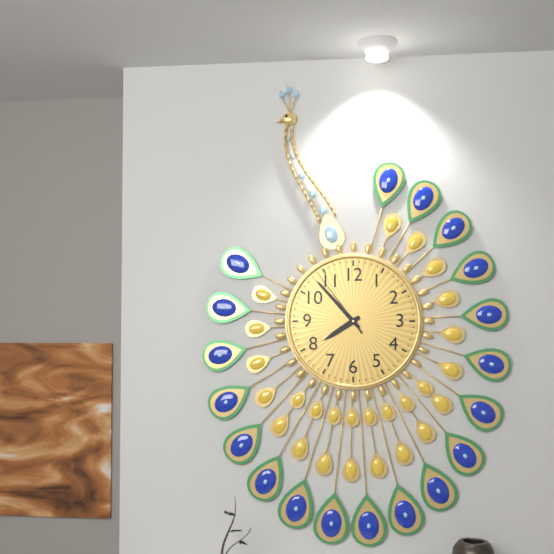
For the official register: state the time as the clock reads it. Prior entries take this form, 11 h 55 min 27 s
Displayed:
7 h 53 min 54 s
